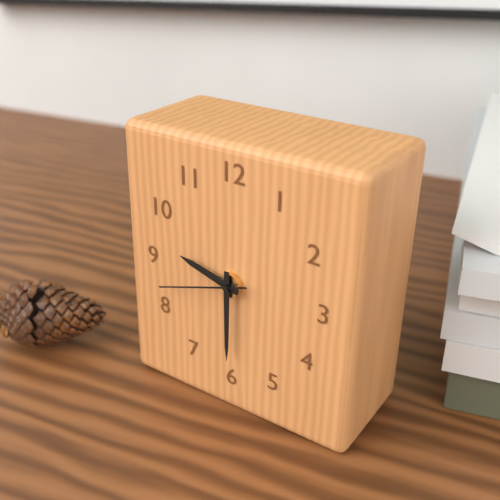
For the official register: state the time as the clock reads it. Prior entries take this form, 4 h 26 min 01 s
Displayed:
9 h 30 min 42 s
